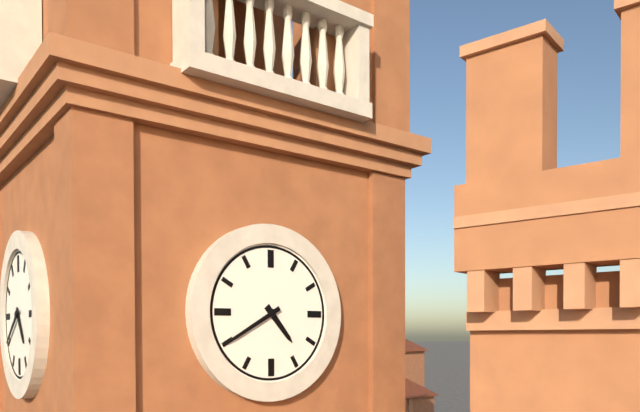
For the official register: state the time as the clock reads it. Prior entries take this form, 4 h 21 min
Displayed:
4 h 40 min
